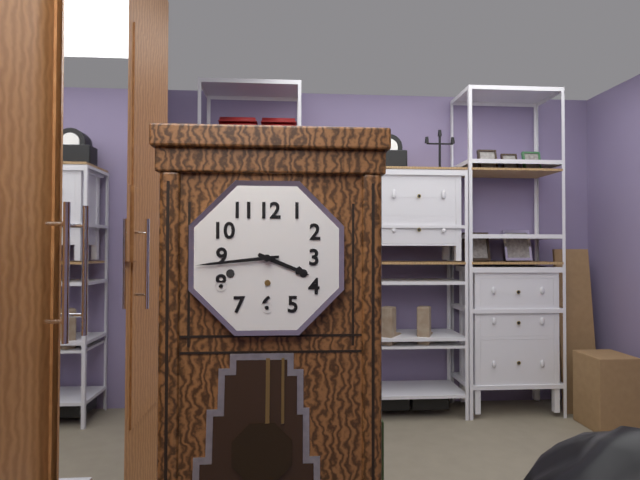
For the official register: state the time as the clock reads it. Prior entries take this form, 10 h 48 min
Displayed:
3 h 44 min
